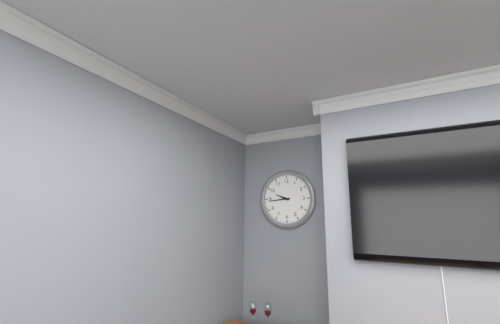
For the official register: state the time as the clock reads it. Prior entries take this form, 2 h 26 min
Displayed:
9 h 44 min
